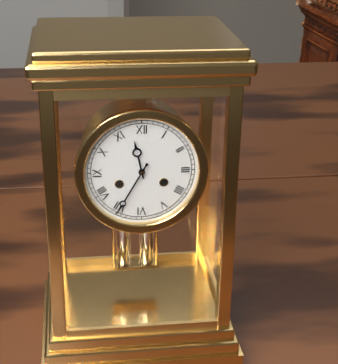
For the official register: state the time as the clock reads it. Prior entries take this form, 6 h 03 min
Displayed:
11 h 35 min
